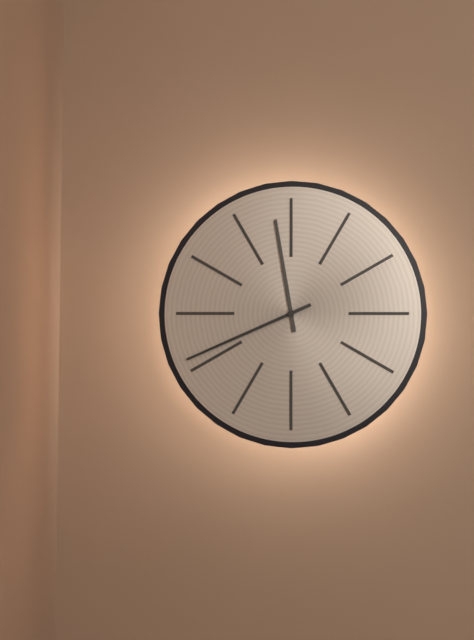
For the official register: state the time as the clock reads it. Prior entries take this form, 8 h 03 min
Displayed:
11 h 41 min
